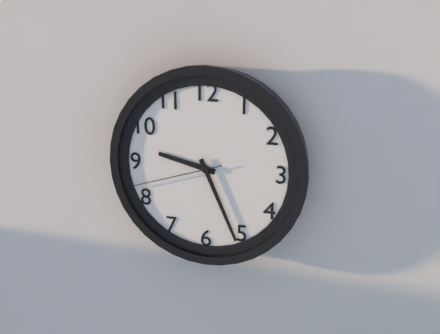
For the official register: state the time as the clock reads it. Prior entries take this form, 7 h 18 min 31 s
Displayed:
9 h 26 min 42 s
